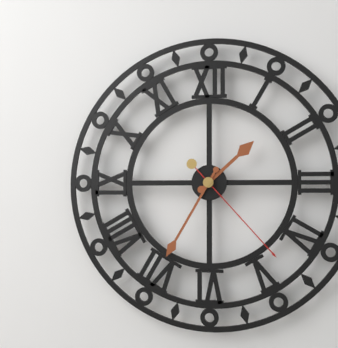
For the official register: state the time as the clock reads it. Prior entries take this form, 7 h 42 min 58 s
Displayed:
1 h 35 min 23 s
